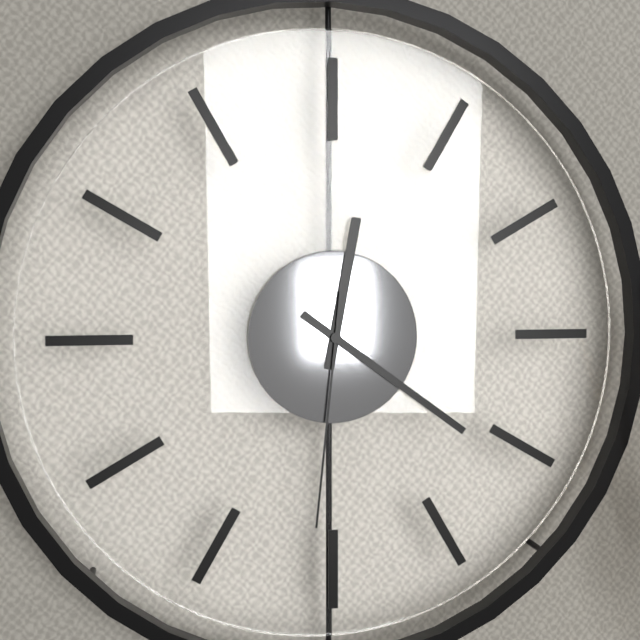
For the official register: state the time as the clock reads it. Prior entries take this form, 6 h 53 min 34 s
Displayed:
12 h 21 min 31 s
